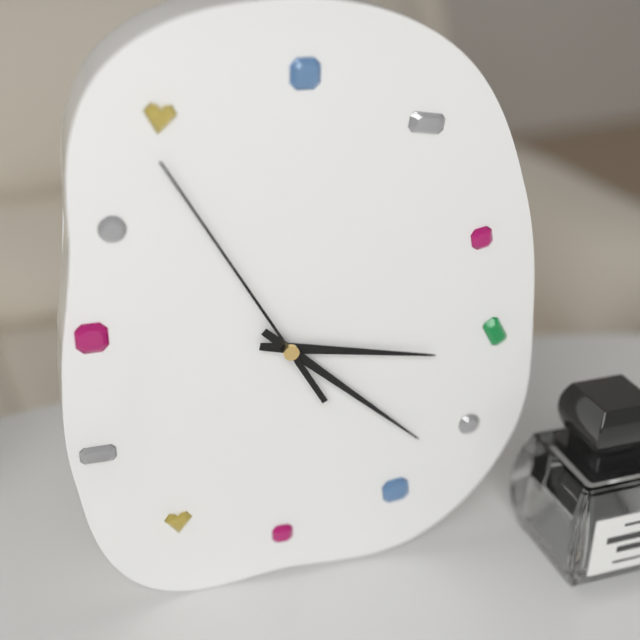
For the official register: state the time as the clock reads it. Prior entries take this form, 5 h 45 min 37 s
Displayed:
3 h 22 min 55 s
